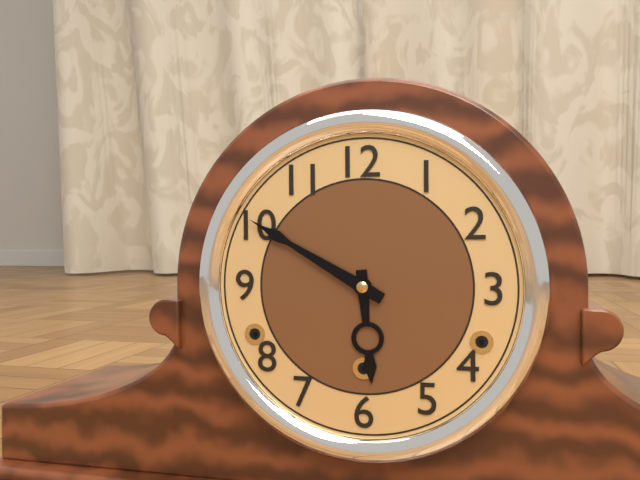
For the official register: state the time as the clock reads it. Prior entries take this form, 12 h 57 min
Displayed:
5 h 50 min
